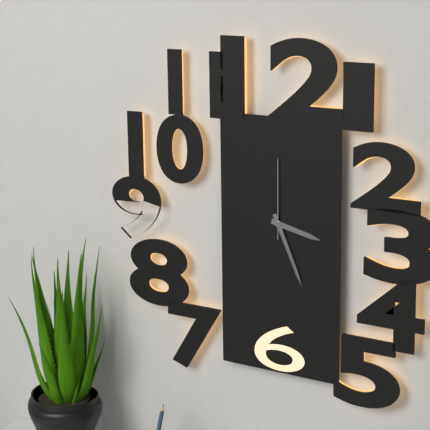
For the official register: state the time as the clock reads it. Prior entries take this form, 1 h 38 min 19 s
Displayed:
3 h 26 min 00 s
